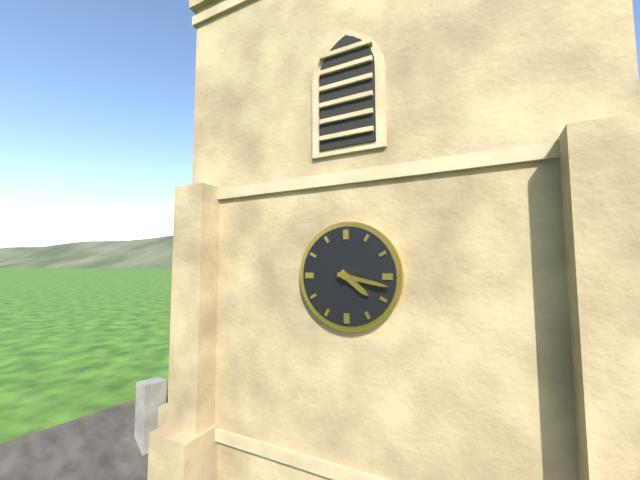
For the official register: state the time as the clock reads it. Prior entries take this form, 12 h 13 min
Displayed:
4 h 17 min
